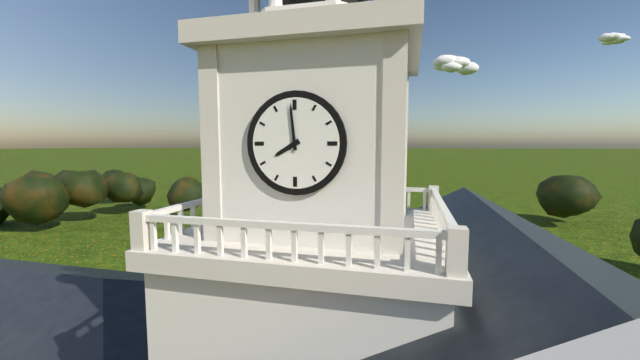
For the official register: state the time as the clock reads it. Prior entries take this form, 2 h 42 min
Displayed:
7 h 59 min
